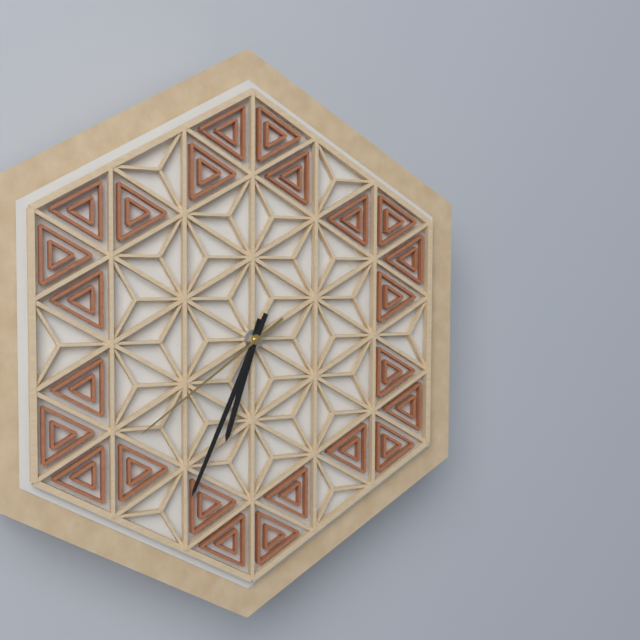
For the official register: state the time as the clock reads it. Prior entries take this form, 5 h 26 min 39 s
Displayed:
6 h 34 min 39 s
